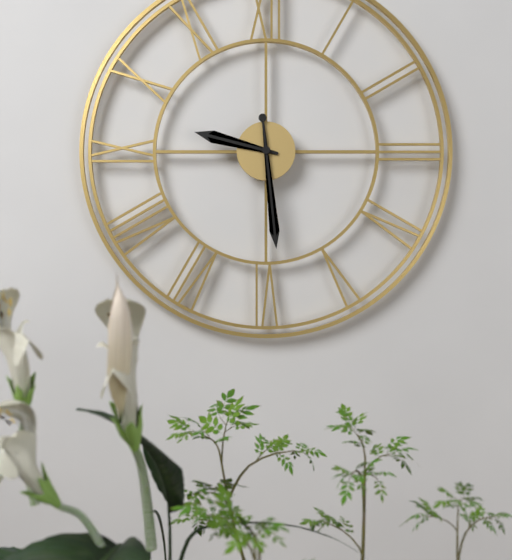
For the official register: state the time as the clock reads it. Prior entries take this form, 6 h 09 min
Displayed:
9 h 29 min
